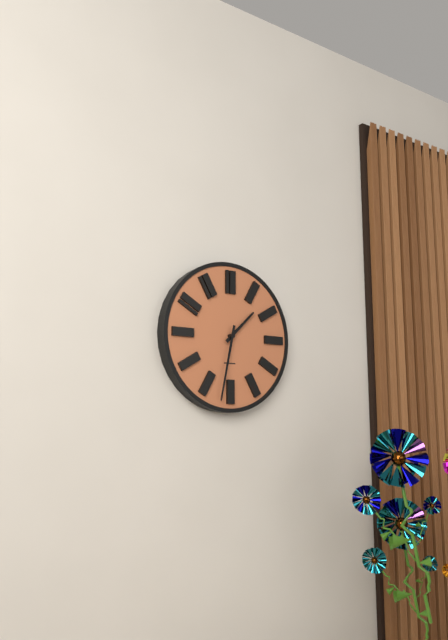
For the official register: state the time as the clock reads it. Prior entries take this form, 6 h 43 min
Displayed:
1 h 32 min
